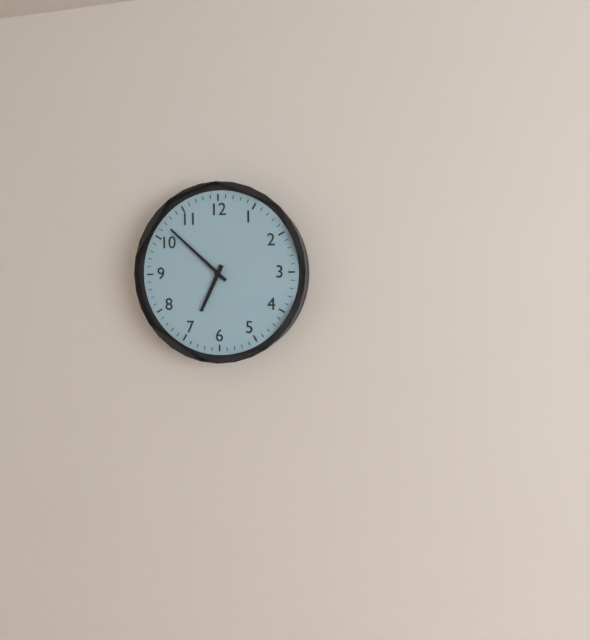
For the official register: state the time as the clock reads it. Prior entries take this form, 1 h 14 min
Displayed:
6 h 52 min
